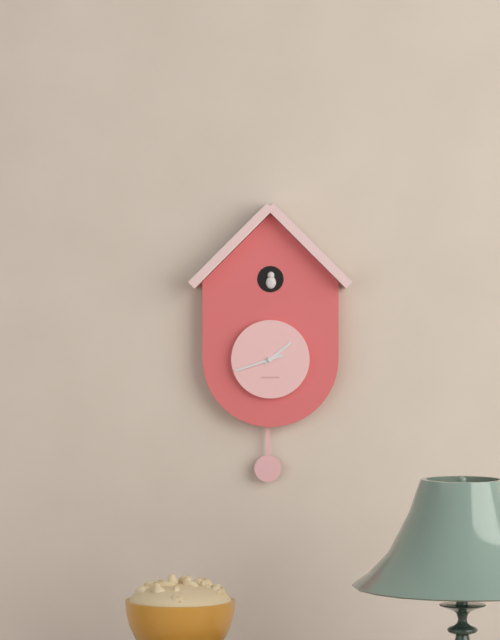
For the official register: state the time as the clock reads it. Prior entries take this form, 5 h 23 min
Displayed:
1 h 42 min
